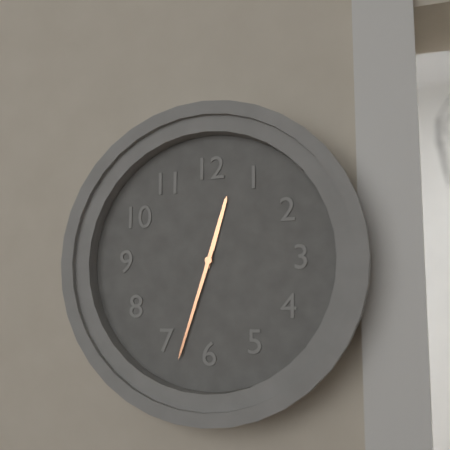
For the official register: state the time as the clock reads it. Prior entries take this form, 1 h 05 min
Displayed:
12 h 33 min
